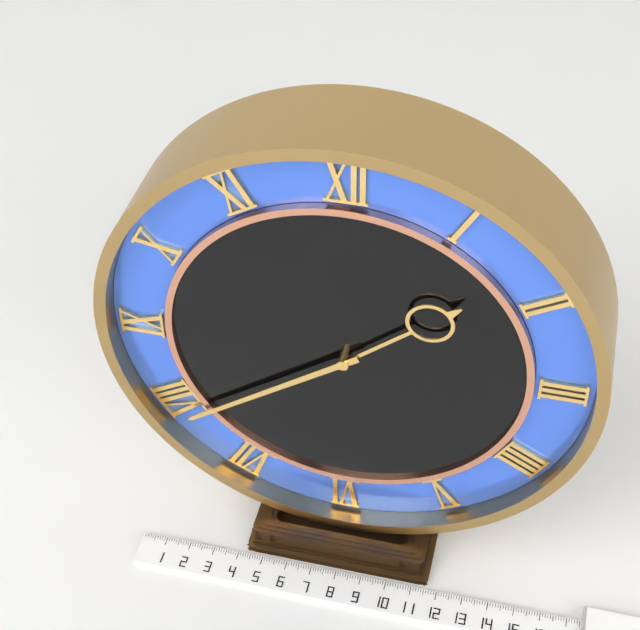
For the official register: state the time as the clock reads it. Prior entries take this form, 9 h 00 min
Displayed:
1 h 39 min
